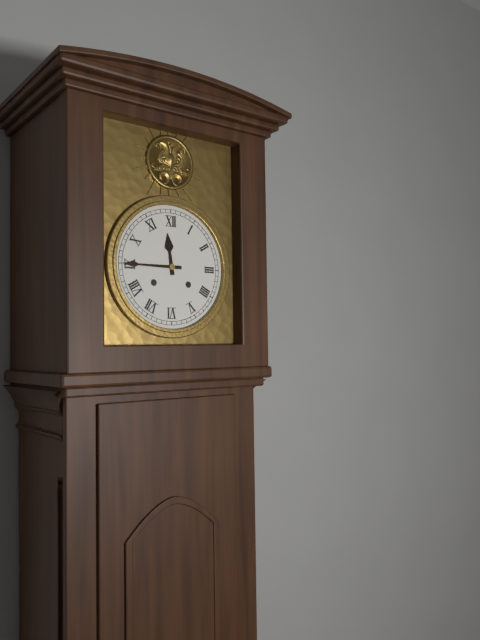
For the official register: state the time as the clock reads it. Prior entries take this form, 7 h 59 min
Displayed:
11 h 45 min
